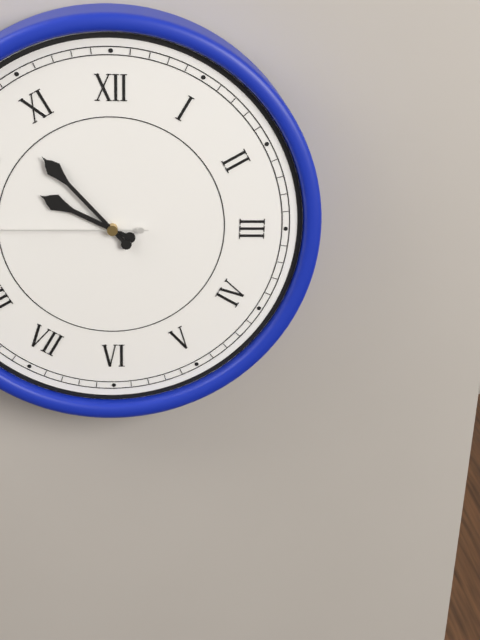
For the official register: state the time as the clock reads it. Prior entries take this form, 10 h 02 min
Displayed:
9 h 53 min
